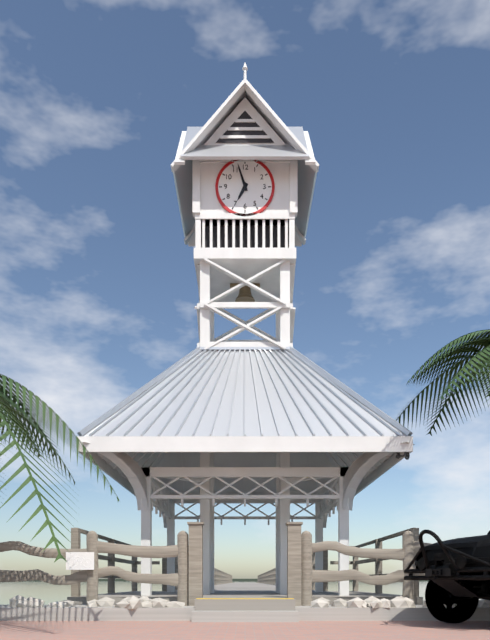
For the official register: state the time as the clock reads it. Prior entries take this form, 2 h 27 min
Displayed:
6 h 57 min
